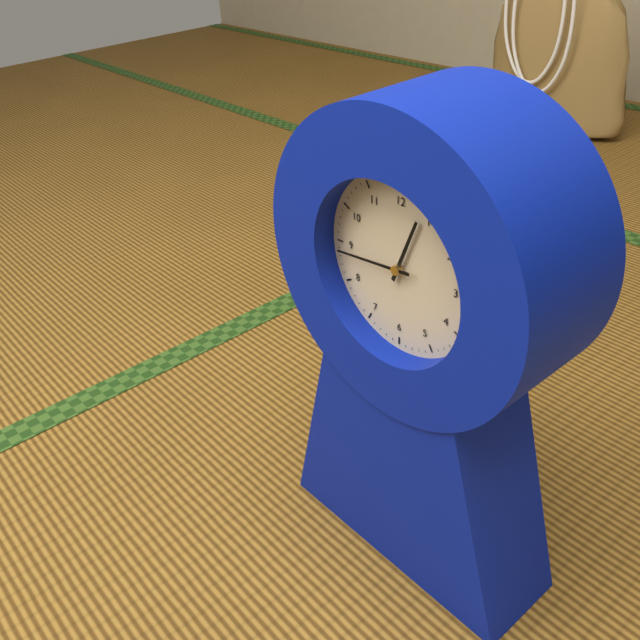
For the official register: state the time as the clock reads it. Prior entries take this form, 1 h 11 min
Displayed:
12 h 44 min
